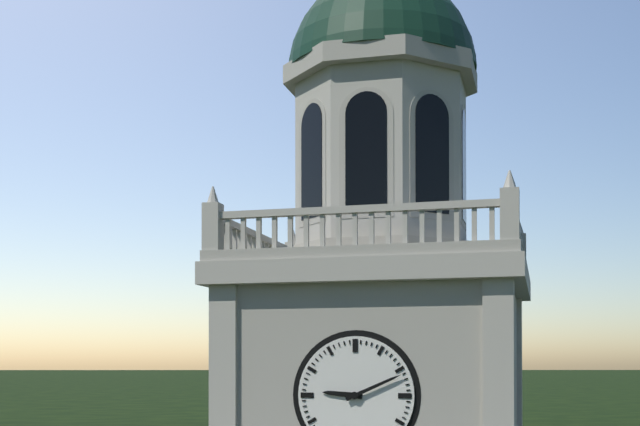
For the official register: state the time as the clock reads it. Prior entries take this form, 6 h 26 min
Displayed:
9 h 11 min
